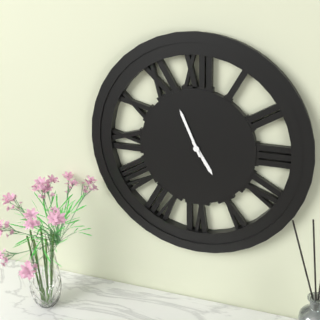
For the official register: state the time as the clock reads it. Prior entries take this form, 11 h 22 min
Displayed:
4 h 56 min
